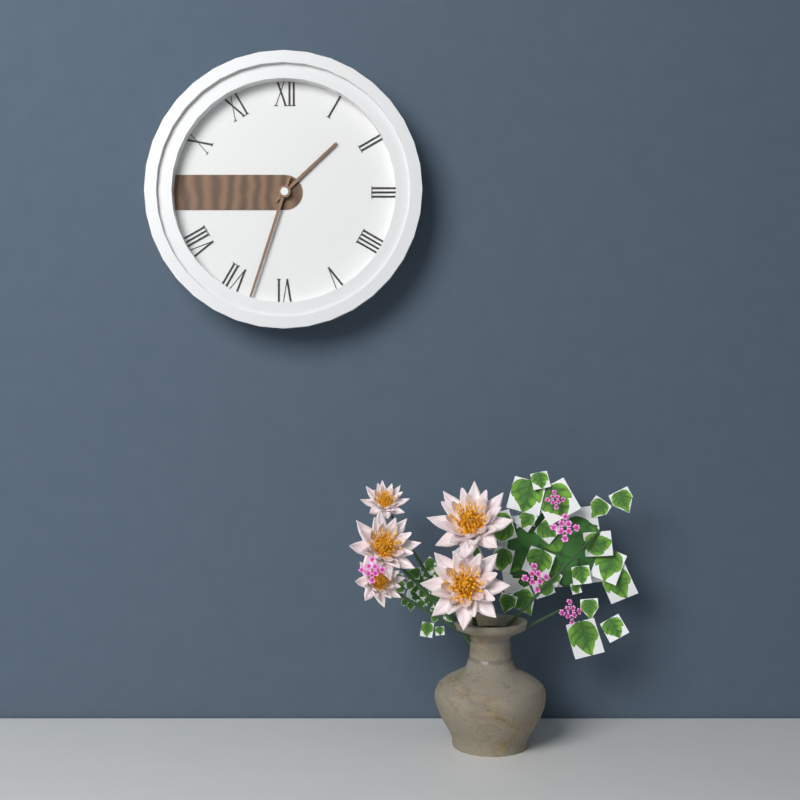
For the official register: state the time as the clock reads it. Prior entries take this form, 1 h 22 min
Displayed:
1 h 33 min
